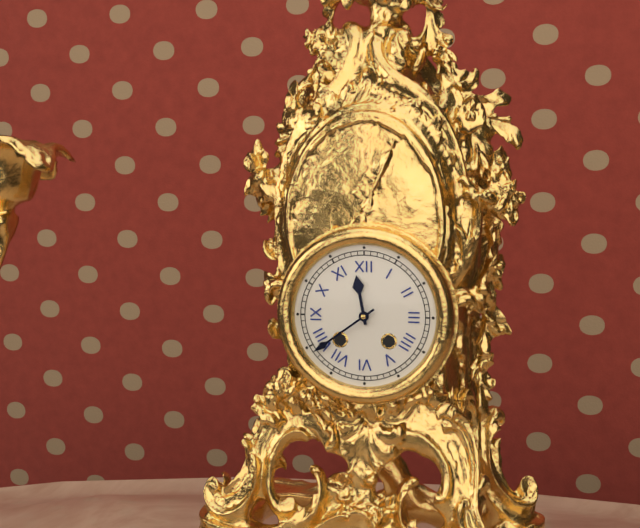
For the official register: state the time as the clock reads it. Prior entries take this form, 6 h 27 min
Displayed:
11 h 39 min
